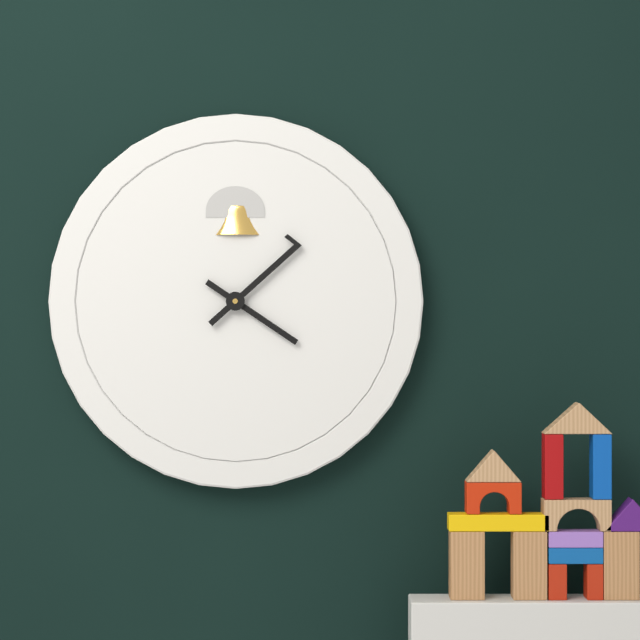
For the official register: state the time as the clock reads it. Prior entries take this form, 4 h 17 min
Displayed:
4 h 08 min
